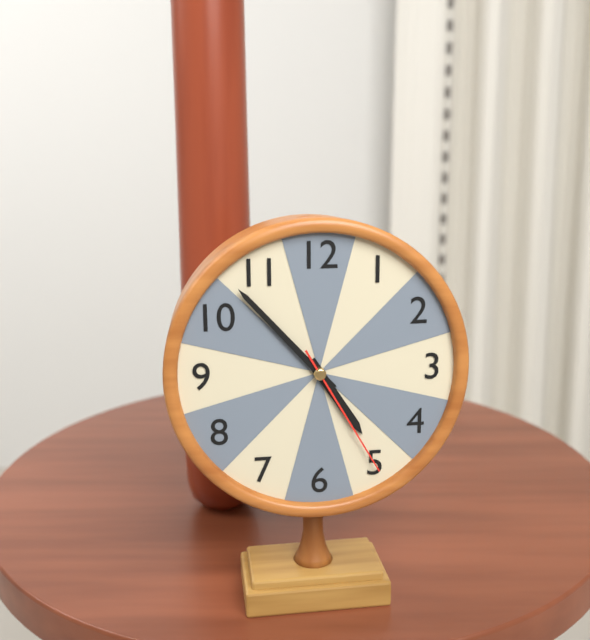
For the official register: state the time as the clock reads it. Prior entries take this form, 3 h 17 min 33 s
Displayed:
4 h 53 min 25 s
